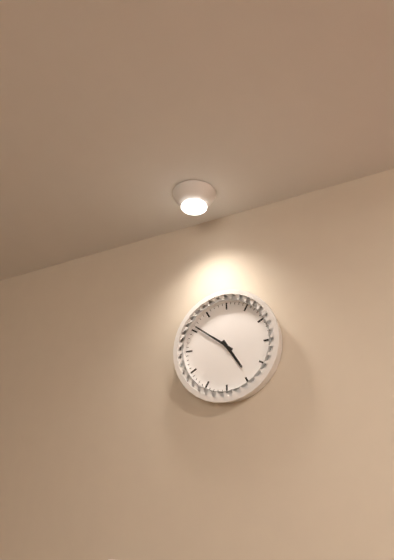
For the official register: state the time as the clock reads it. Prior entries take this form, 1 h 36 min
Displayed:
4 h 51 min
